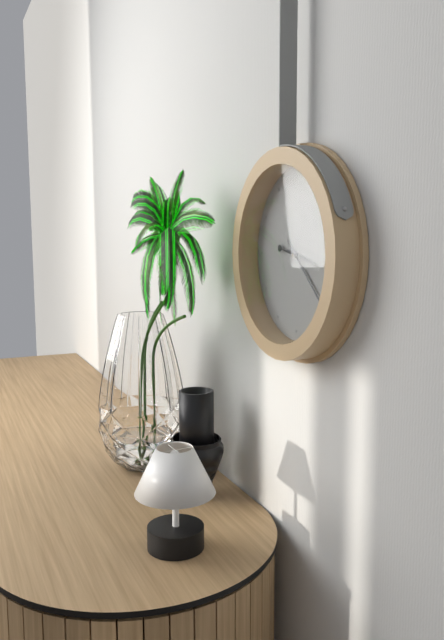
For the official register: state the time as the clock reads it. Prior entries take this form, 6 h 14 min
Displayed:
3 h 22 min
